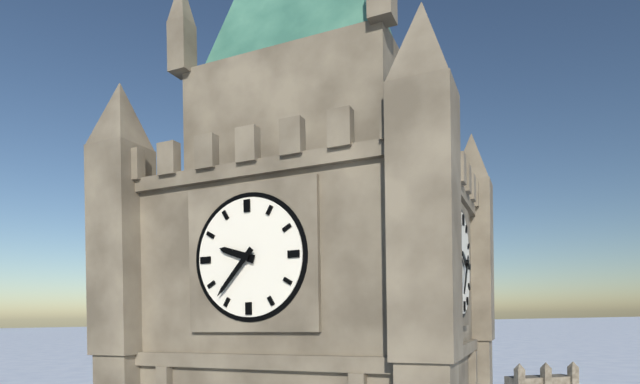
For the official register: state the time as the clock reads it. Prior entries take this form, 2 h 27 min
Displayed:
9 h 37 min
